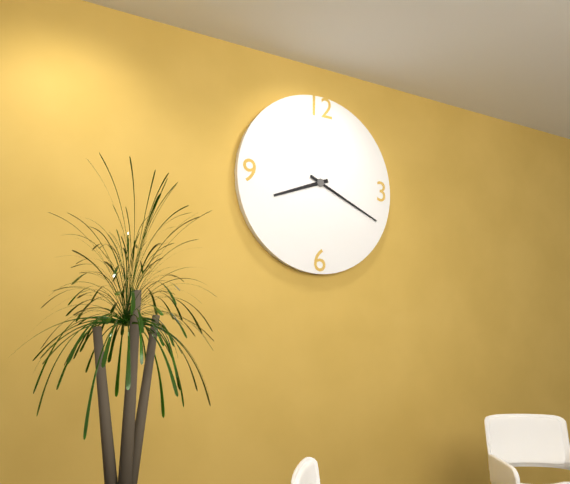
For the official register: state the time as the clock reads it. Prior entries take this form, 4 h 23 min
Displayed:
8 h 19 min
